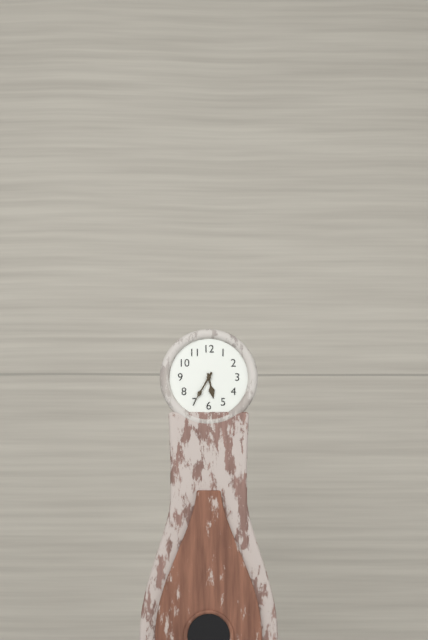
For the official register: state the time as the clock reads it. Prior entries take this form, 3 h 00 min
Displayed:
5 h 35 min
